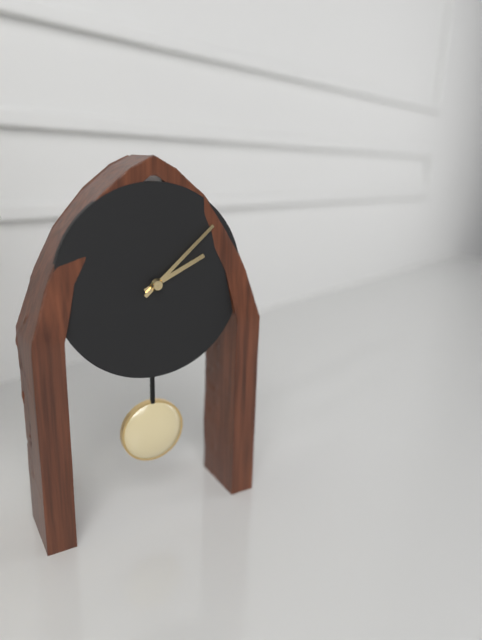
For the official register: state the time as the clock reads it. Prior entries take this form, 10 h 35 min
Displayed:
2 h 08 min
